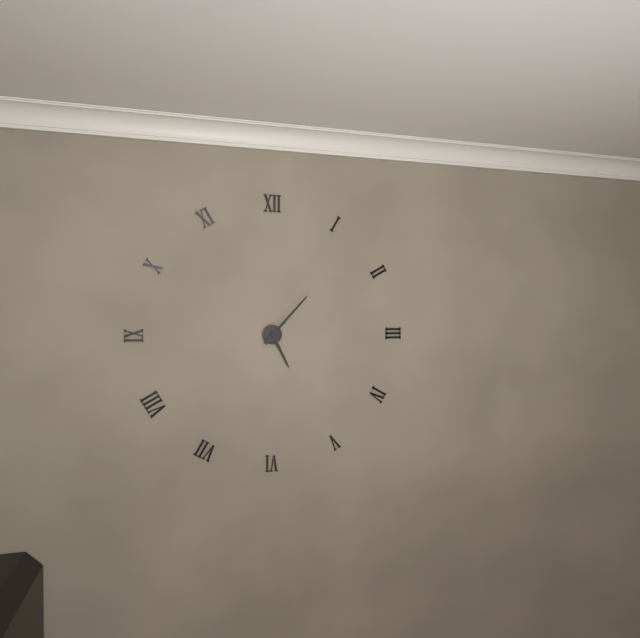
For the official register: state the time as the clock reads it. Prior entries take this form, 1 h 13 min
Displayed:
5 h 07 min
